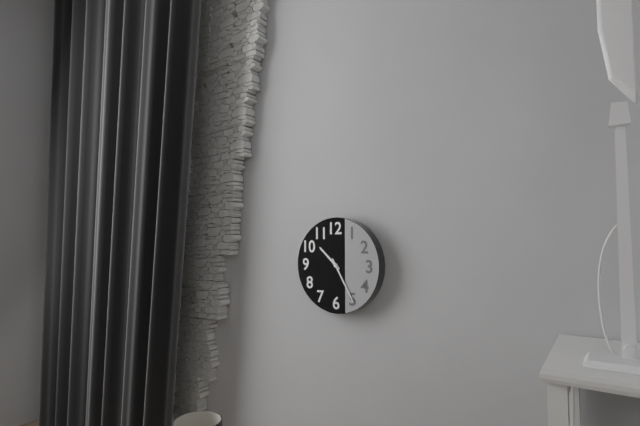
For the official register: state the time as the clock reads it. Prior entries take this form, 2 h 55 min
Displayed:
10 h 25 min
